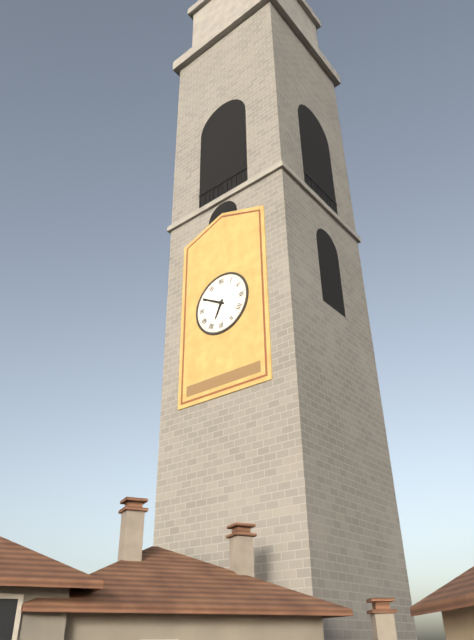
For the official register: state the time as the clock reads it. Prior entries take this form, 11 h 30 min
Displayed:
6 h 50 min
